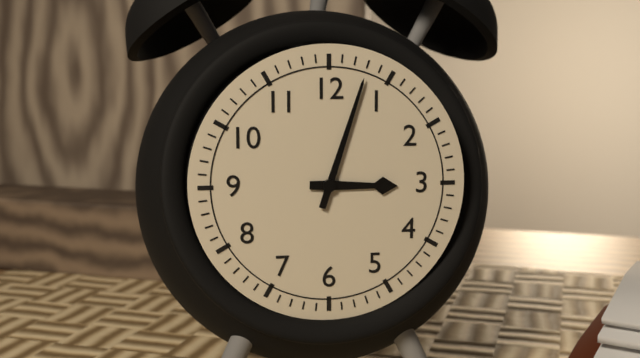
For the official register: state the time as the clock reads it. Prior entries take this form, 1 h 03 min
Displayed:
3 h 03 min
